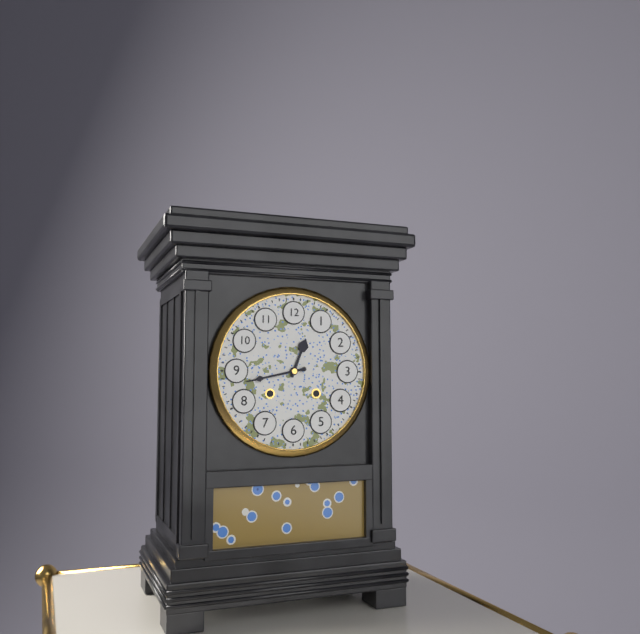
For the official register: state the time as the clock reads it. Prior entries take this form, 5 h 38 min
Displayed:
12 h 43 min
